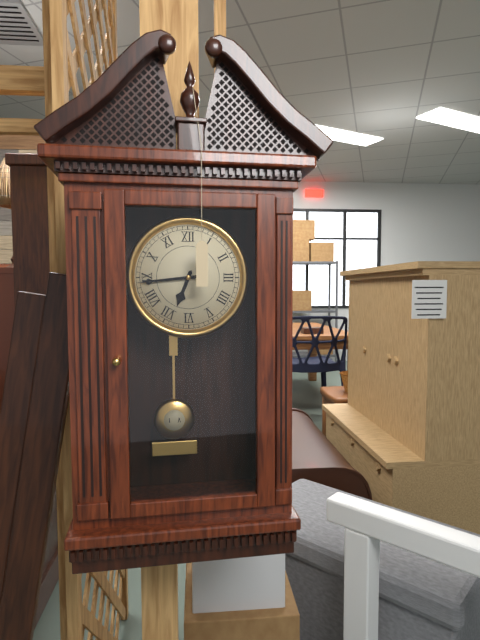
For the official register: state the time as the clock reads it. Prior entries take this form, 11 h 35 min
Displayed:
6 h 44 min
